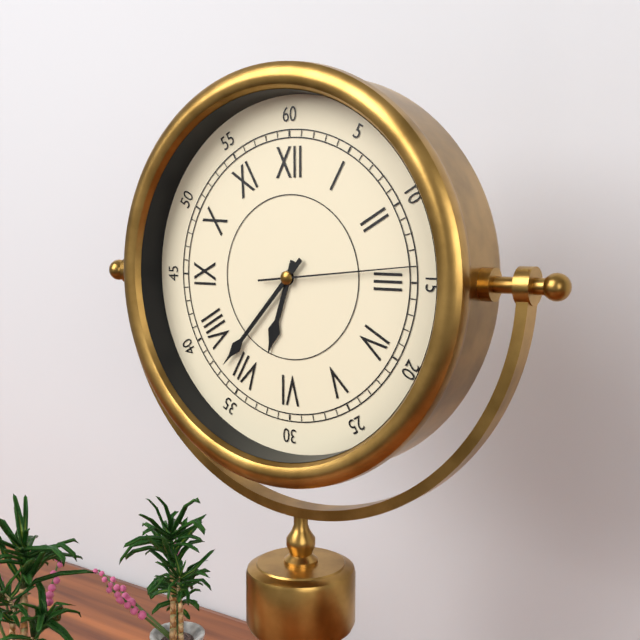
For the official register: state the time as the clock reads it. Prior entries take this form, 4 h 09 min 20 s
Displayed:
6 h 37 min 14 s
